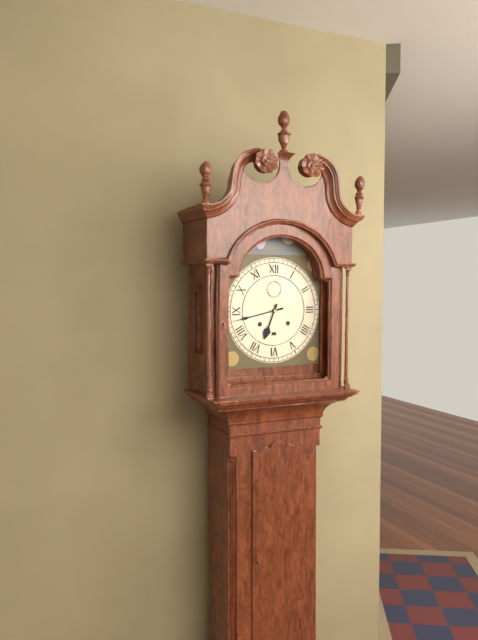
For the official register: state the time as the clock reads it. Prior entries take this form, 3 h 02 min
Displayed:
6 h 43 min
